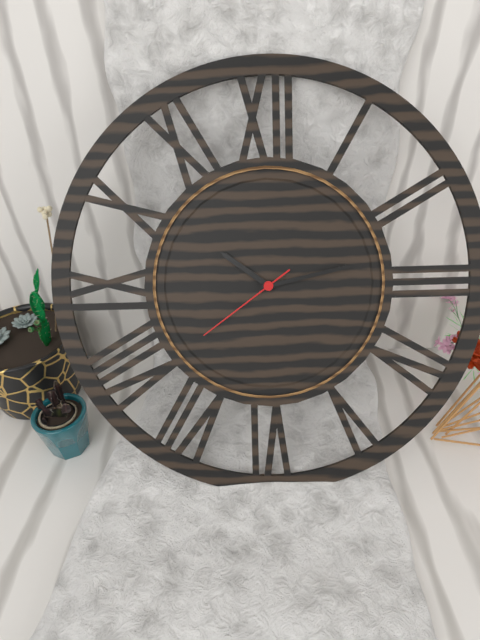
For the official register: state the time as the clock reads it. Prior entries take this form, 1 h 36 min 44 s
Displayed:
10 h 13 min 39 s
